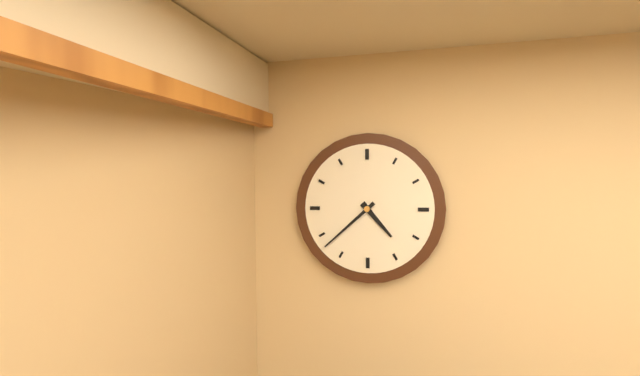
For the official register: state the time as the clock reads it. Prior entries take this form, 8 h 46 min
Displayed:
4 h 38 min
